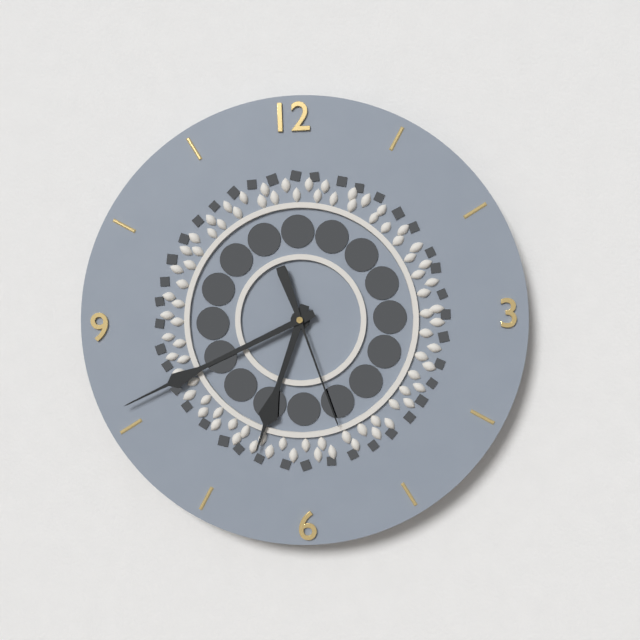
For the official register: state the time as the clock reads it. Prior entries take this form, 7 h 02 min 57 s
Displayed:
6 h 41 min 27 s
